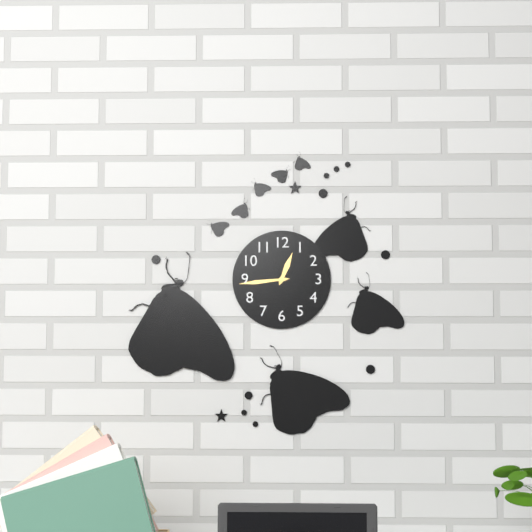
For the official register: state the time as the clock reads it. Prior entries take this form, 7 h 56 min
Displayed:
12 h 44 min
